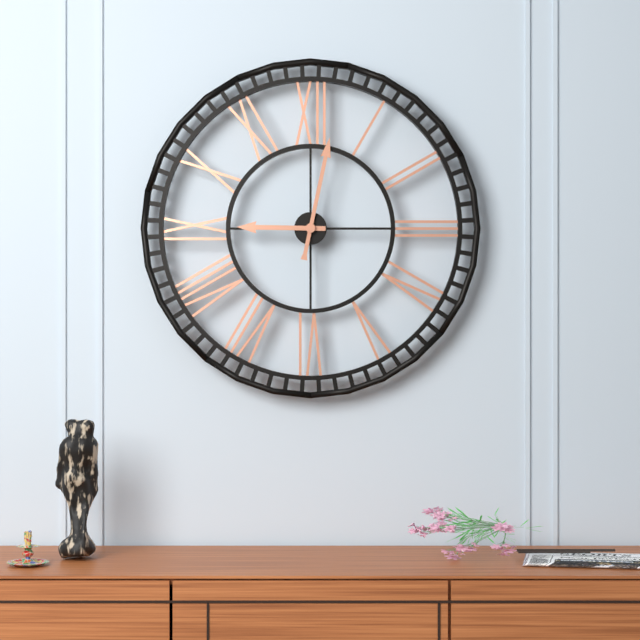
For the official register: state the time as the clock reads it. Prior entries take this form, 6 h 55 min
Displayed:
9 h 02 min
